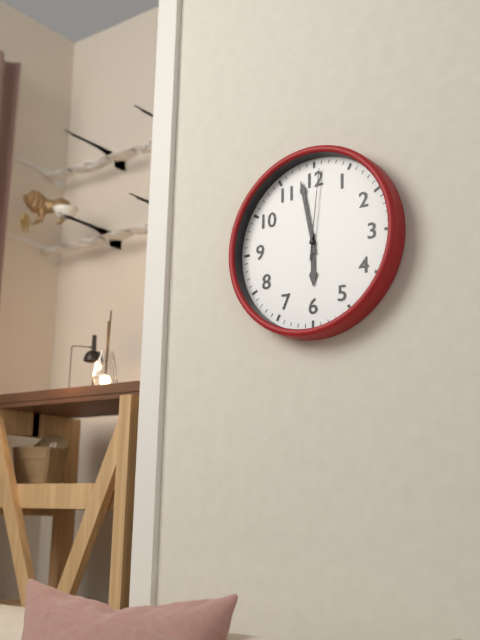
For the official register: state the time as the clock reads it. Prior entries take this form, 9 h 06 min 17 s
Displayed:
5 h 58 min 01 s
